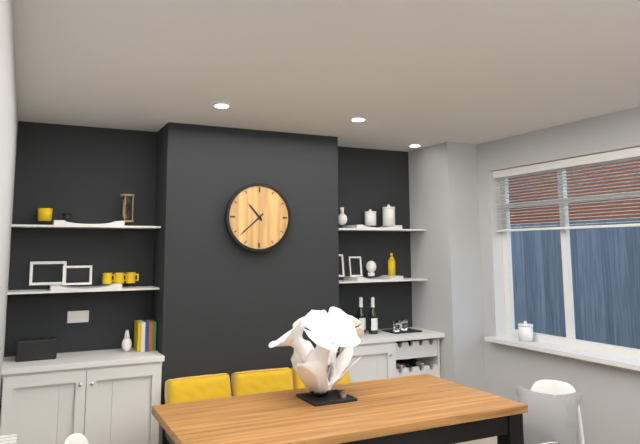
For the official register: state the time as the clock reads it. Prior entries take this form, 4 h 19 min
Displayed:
10 h 38 min
